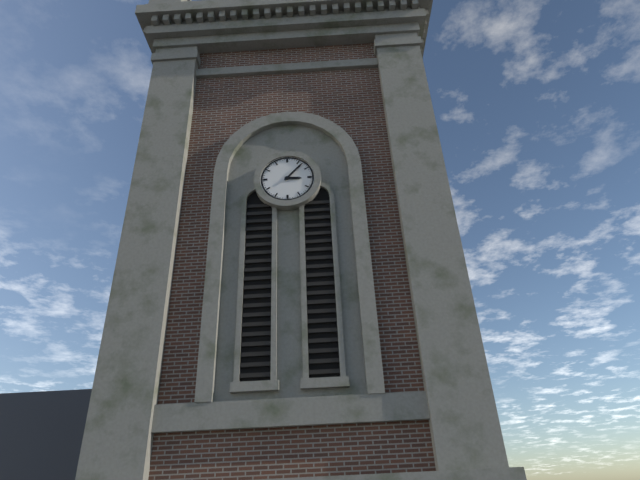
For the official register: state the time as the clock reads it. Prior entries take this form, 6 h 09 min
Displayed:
3 h 07 min
